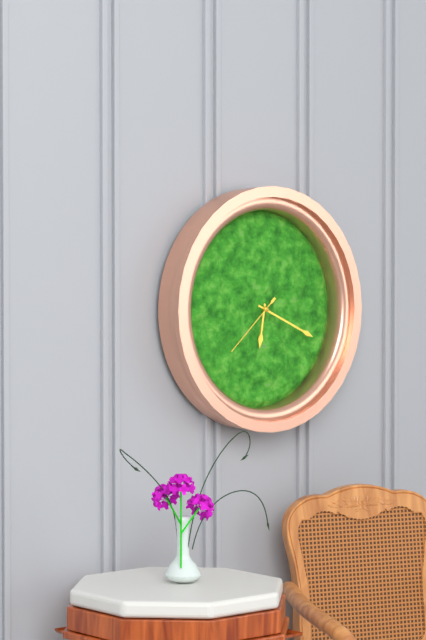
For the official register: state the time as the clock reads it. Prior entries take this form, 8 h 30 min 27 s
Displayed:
6 h 19 min 38 s
